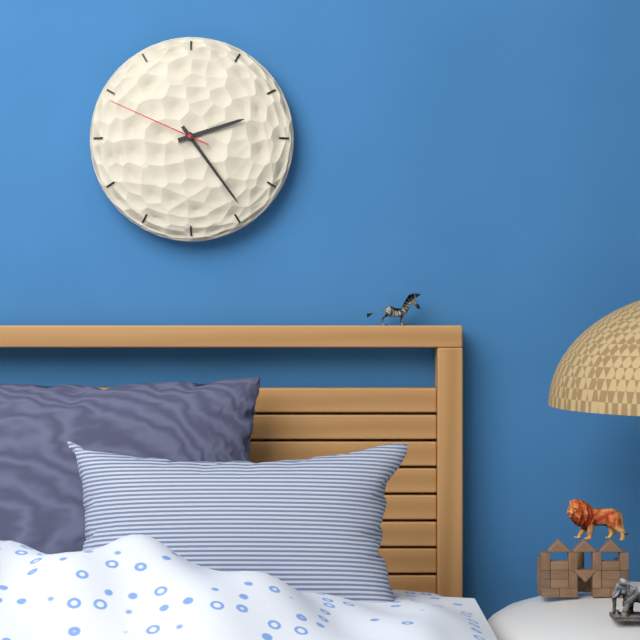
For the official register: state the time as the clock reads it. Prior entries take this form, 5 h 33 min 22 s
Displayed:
2 h 24 min 49 s
